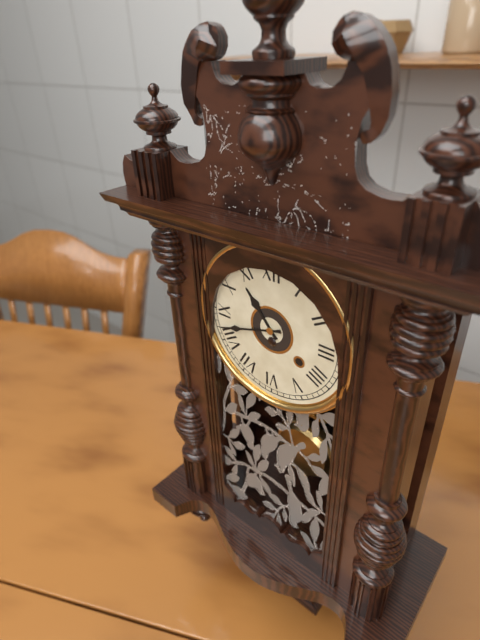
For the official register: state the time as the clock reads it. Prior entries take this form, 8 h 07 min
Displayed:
10 h 42 min
